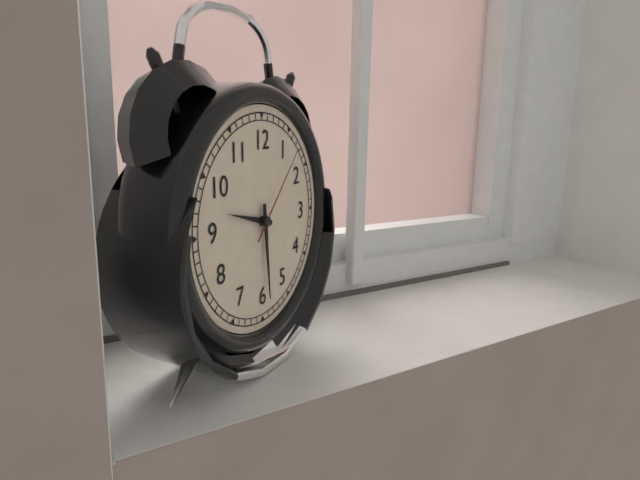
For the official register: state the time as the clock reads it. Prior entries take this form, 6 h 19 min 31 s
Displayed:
9 h 29 min 07 s
